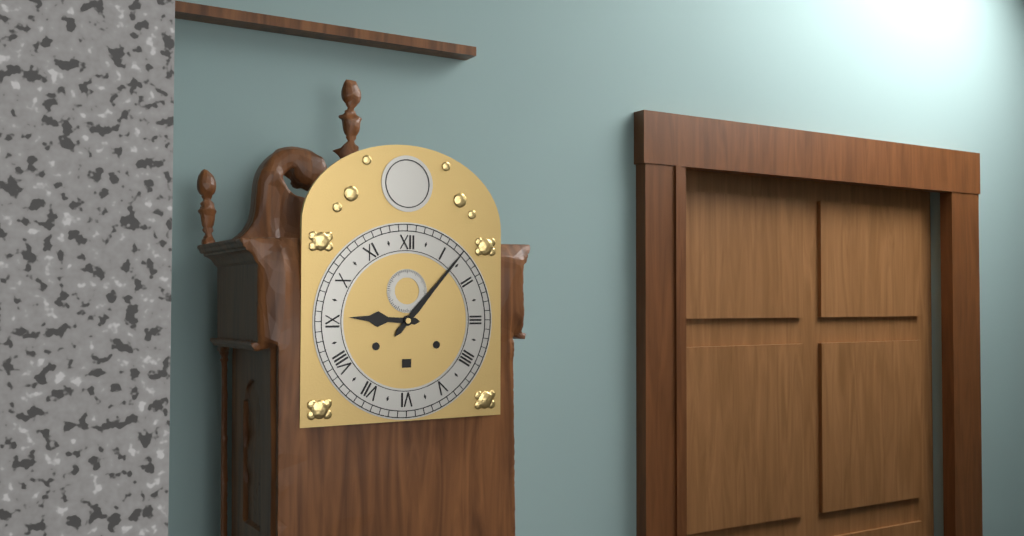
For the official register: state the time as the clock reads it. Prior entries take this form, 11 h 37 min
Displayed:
9 h 07 min
